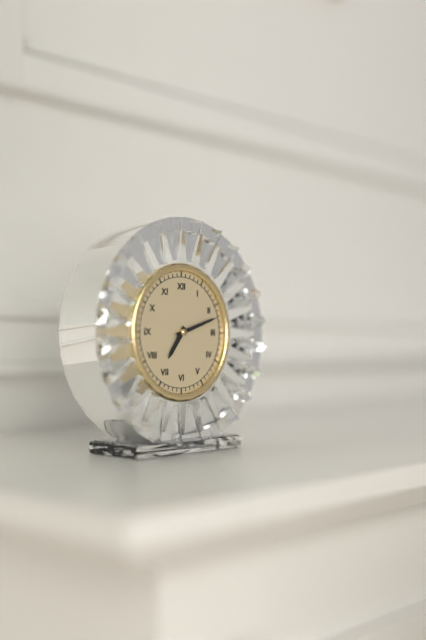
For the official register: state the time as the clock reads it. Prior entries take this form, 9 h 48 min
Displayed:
7 h 12 min
